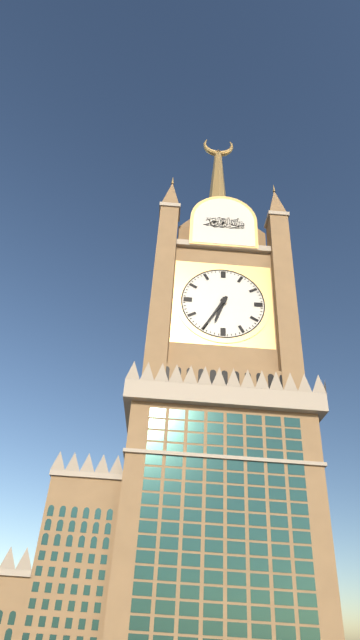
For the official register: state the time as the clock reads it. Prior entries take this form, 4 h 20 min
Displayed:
6 h 35 min
